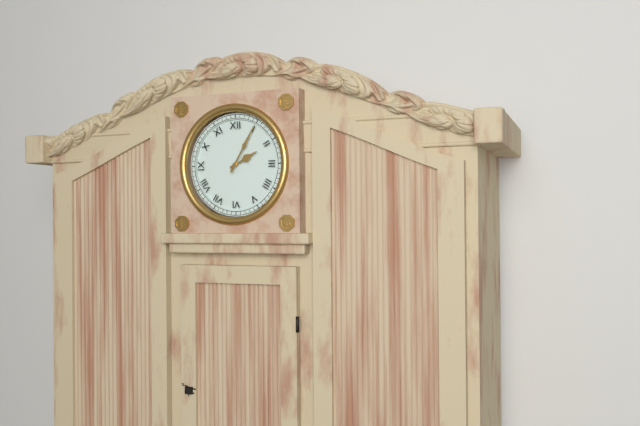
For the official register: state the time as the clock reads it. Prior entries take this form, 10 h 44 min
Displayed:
2 h 05 min
